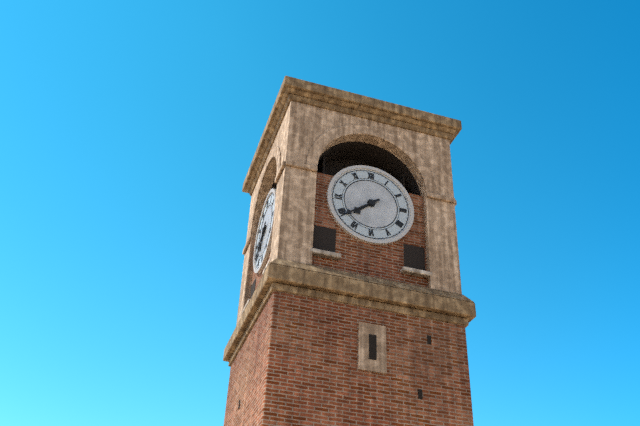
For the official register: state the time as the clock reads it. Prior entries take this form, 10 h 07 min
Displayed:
7 h 39 min
